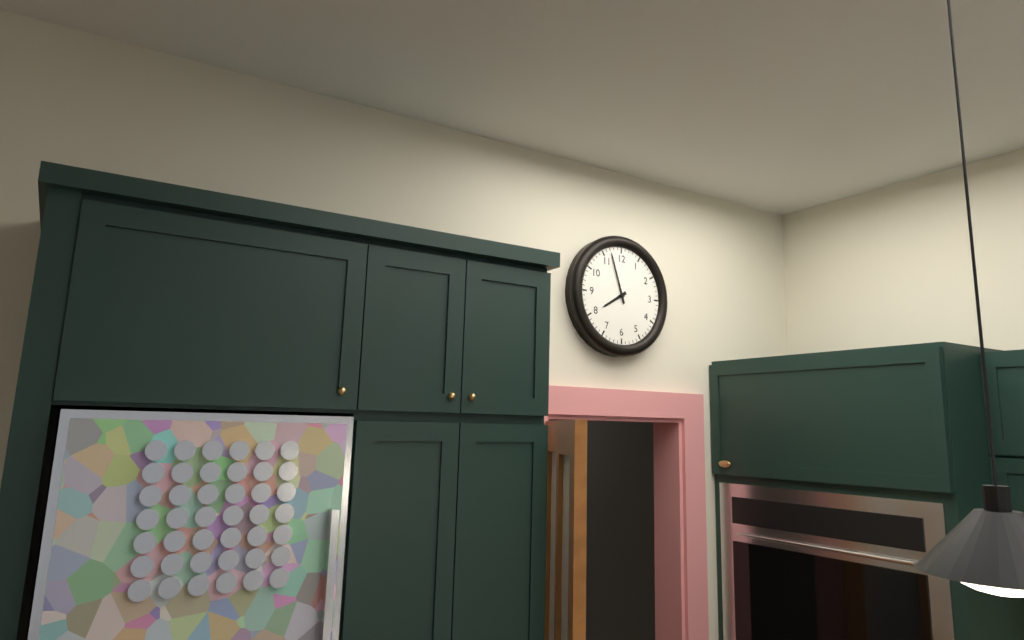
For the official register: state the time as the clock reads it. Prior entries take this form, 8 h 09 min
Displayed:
7 h 57 min
